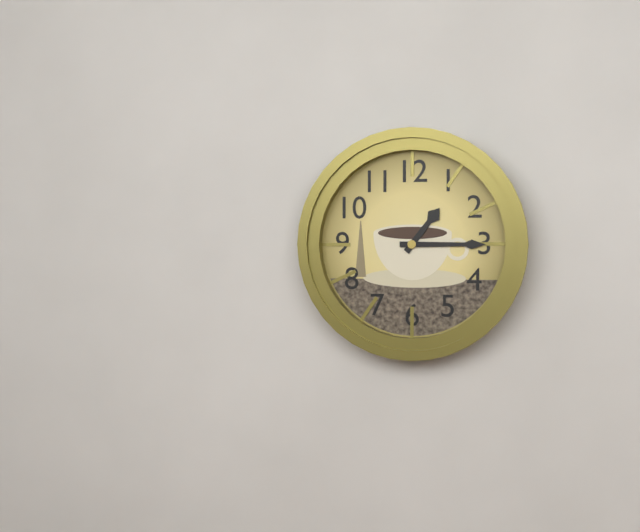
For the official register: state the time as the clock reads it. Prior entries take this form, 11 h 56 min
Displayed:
1 h 15 min
